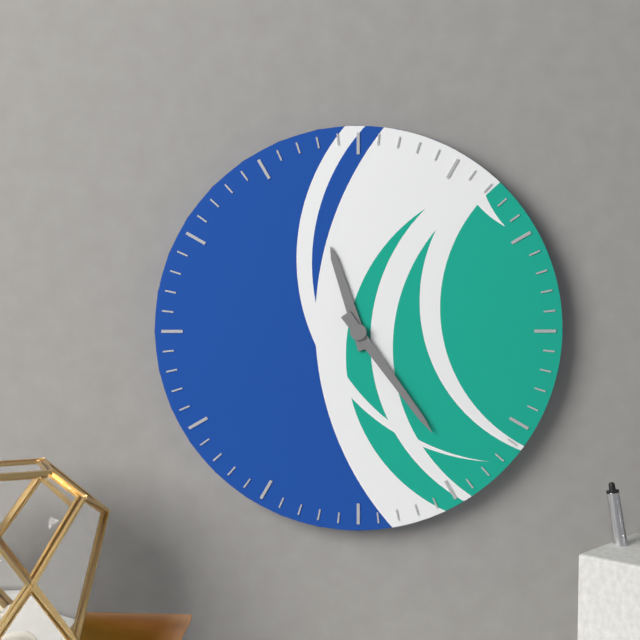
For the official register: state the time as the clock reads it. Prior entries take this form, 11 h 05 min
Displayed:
11 h 24 min
